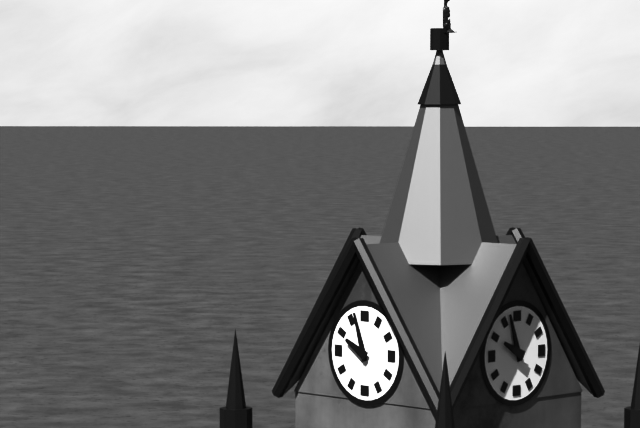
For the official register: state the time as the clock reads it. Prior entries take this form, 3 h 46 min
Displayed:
9 h 57 min
